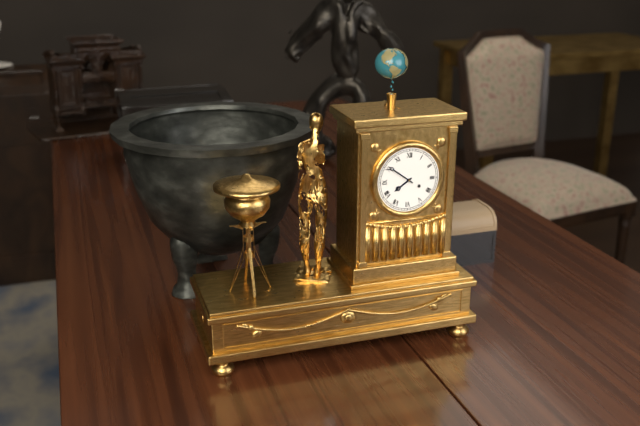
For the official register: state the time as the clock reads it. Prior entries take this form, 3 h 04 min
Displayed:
7 h 51 min
